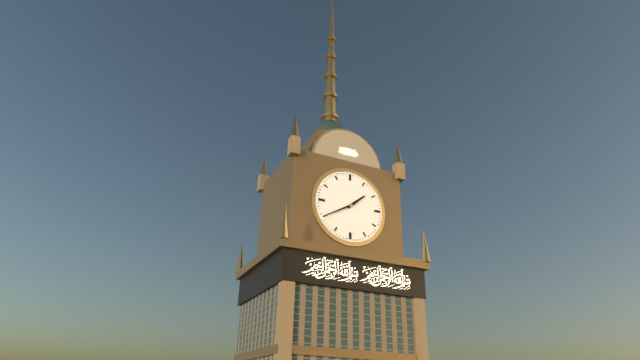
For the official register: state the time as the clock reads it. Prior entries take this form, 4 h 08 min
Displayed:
1 h 40 min
